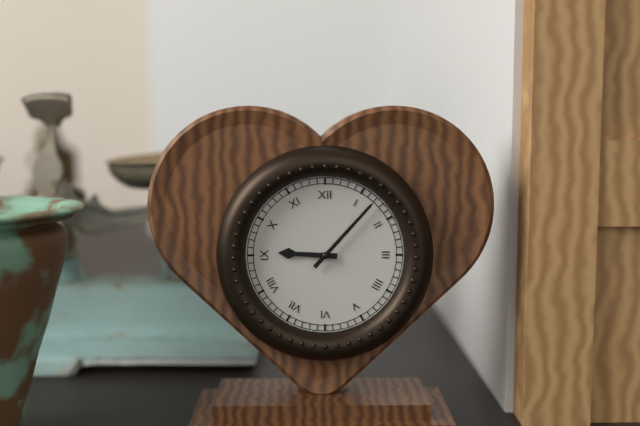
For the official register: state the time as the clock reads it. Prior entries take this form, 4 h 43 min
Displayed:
9 h 07 min
